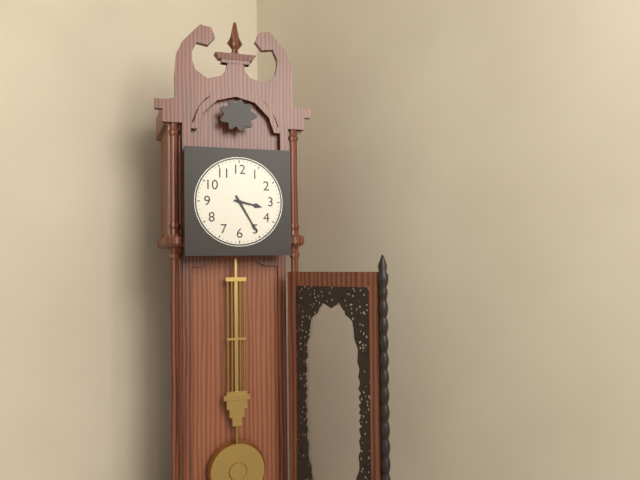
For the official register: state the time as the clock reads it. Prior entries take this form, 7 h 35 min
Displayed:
3 h 25 min
